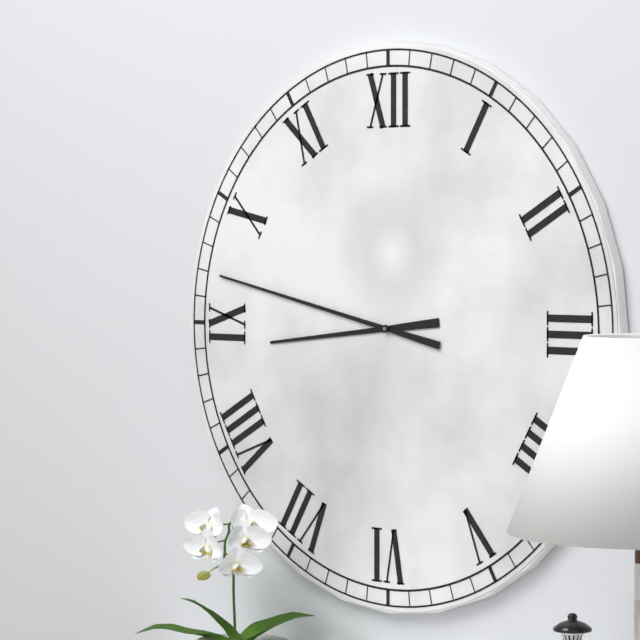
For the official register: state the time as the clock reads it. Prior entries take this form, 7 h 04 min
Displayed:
8 h 47 min
